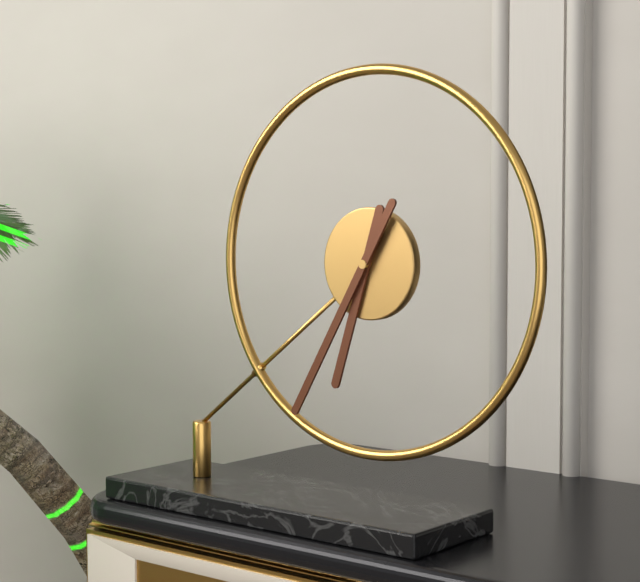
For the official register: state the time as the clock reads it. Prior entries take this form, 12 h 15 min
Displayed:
6 h 35 min
